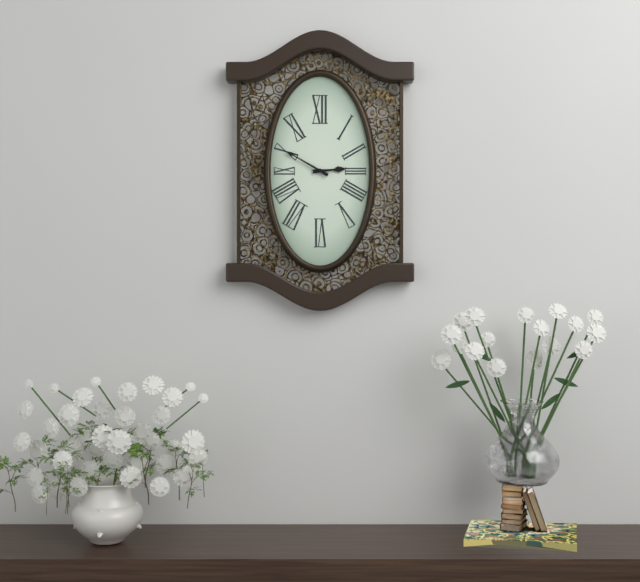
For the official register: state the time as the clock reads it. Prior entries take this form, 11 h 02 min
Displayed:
2 h 50 min
